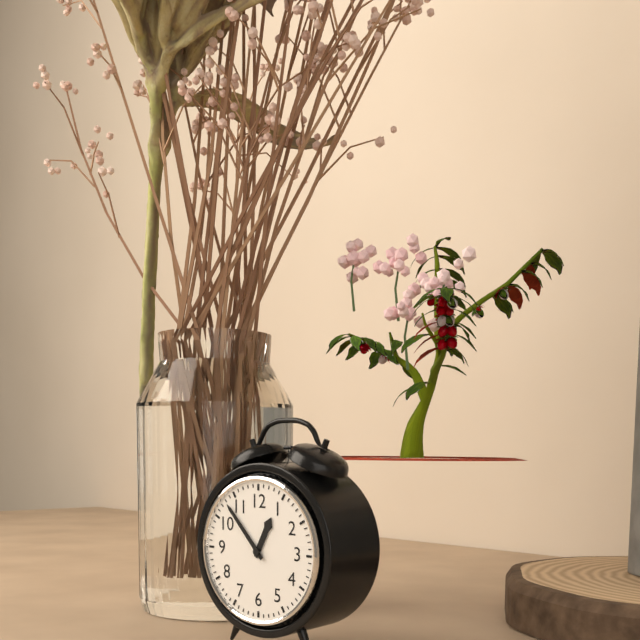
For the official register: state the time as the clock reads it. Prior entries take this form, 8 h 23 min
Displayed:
12 h 53 min
